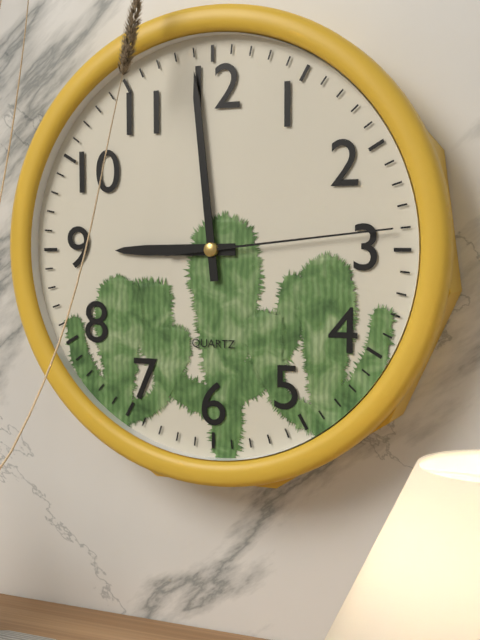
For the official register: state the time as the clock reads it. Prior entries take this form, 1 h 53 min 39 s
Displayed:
8 h 59 min 14 s
